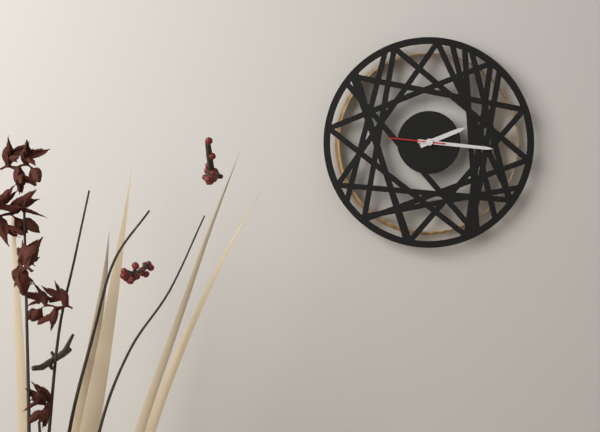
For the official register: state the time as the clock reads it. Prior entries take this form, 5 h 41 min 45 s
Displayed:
2 h 16 min 46 s
